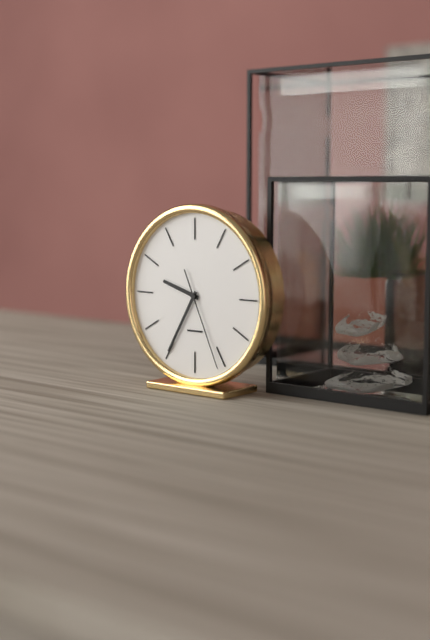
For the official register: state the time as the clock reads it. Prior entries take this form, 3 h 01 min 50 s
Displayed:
9 h 35 min 26 s
